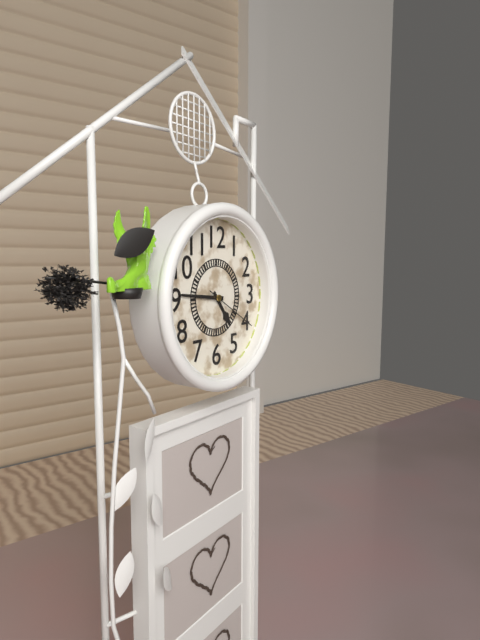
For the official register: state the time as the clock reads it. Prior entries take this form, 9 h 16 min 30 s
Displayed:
4 h 46 min 20 s
